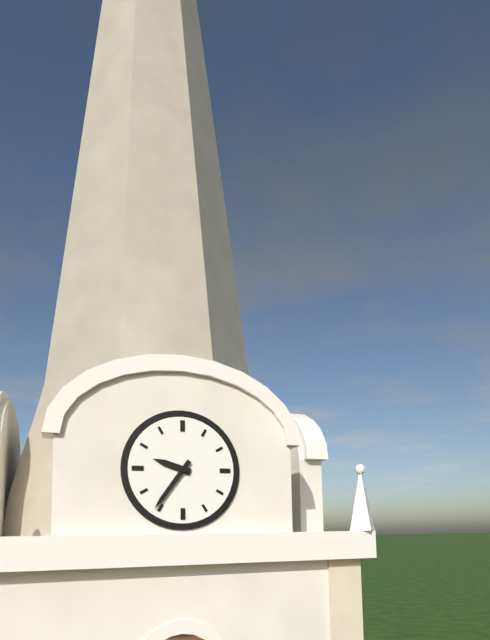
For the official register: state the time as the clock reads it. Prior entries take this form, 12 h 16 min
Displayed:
9 h 36 min
